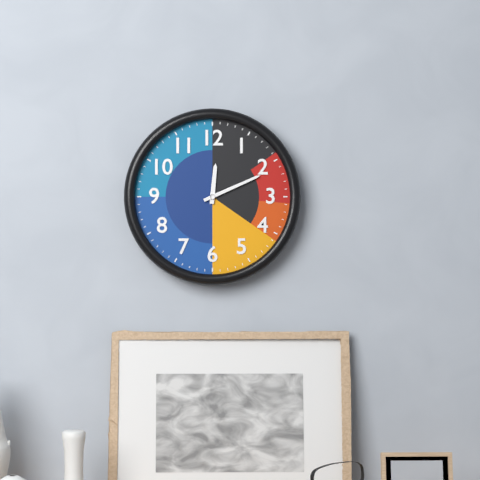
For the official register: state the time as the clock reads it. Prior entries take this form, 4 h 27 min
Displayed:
12 h 11 min
